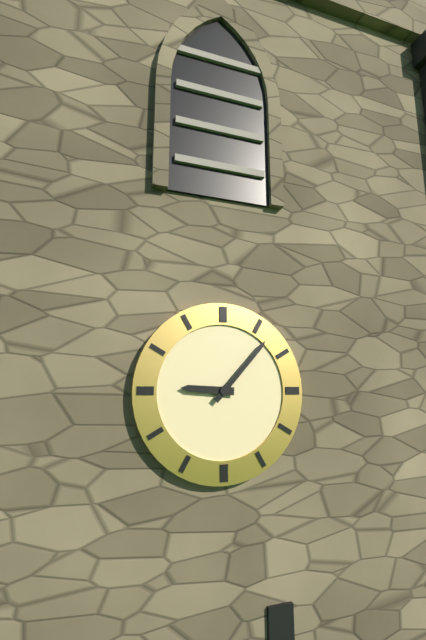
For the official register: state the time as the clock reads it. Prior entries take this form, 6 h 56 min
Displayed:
9 h 07 min
